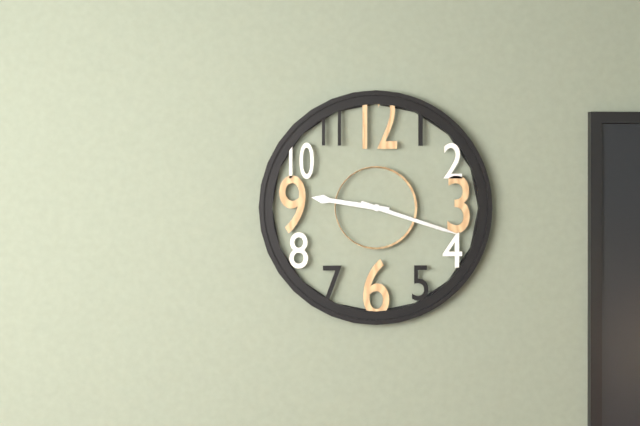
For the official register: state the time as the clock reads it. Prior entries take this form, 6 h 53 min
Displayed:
9 h 18 min
